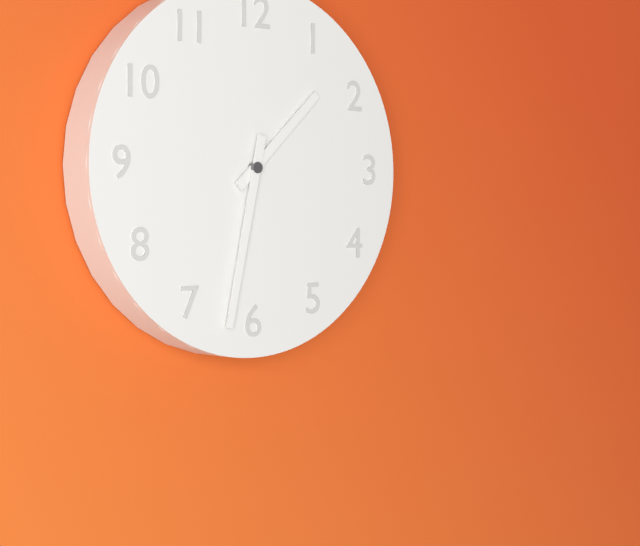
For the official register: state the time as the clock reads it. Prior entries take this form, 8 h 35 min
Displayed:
1 h 32 min
